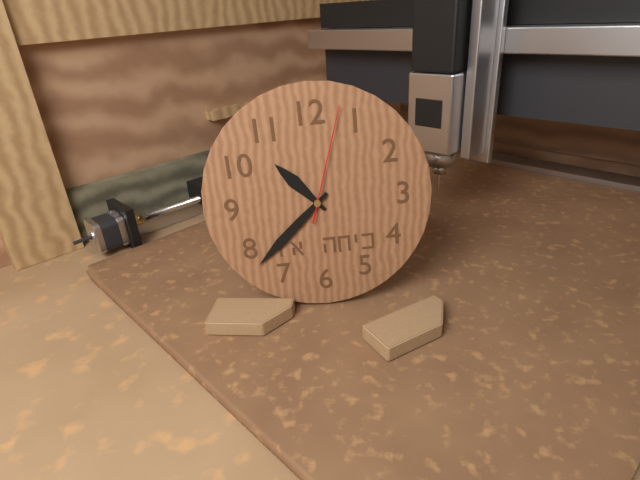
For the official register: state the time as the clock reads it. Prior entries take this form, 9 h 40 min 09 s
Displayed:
10 h 38 min 03 s
